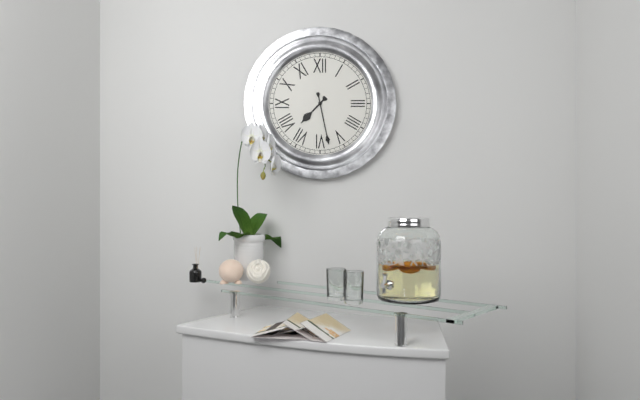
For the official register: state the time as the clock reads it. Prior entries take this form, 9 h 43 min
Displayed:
7 h 28 min
